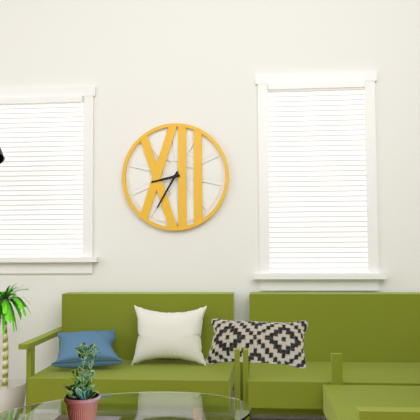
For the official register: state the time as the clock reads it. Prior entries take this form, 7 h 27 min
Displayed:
8 h 35 min
